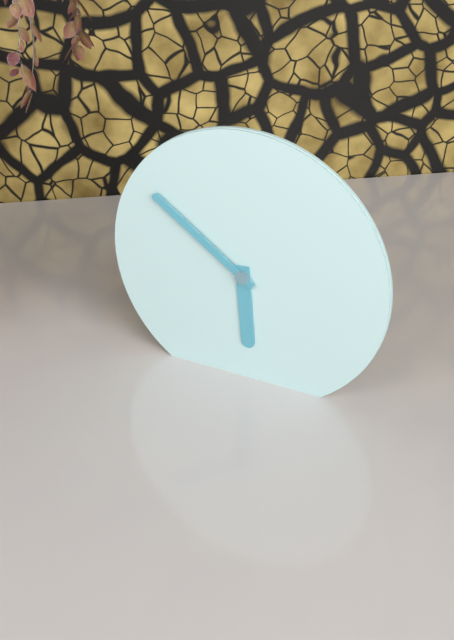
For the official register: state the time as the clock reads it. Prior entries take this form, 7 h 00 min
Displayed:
5 h 51 min
